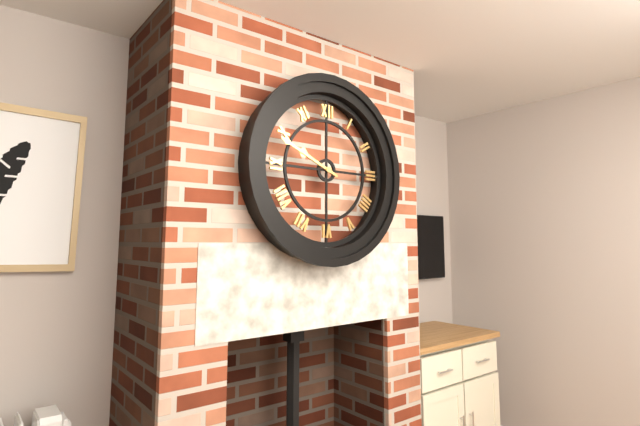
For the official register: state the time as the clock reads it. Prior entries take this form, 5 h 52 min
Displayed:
9 h 49 min
